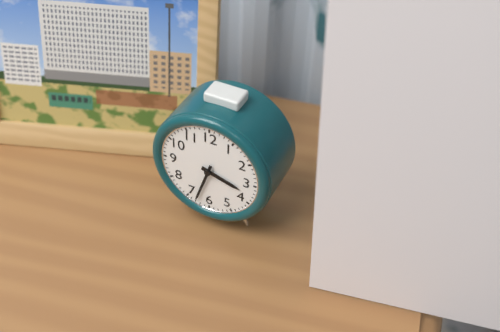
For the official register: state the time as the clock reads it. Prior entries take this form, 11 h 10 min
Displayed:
3 h 33 min
